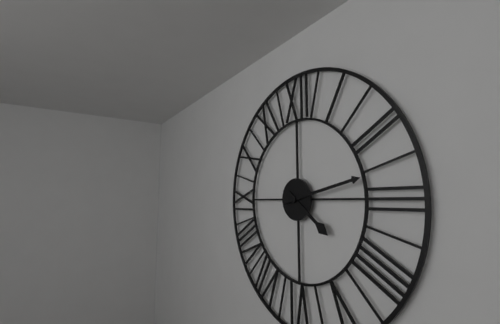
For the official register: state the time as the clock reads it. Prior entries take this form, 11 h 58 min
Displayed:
4 h 13 min
